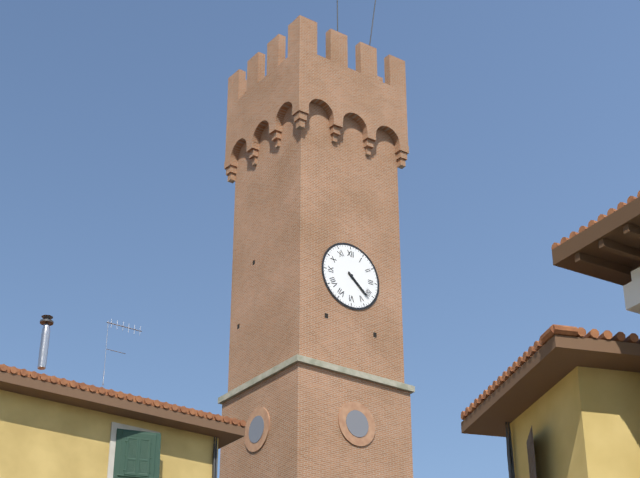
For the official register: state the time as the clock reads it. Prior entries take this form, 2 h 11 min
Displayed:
4 h 22 min
